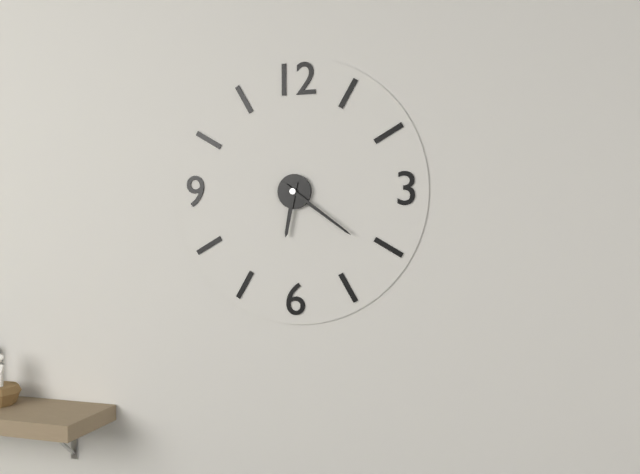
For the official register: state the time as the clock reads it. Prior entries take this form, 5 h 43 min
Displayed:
6 h 21 min
